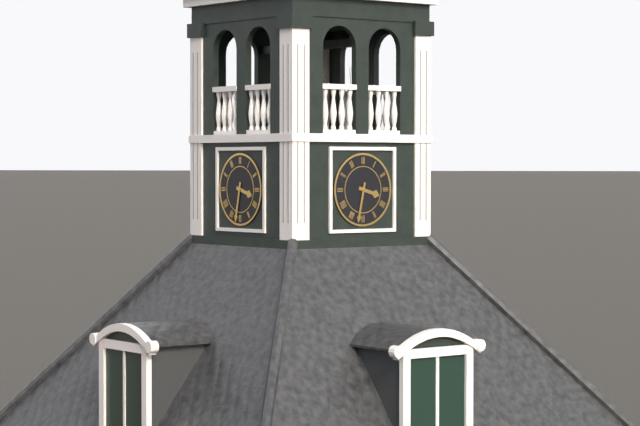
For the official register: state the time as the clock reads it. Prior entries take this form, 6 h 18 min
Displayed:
3 h 32 min
